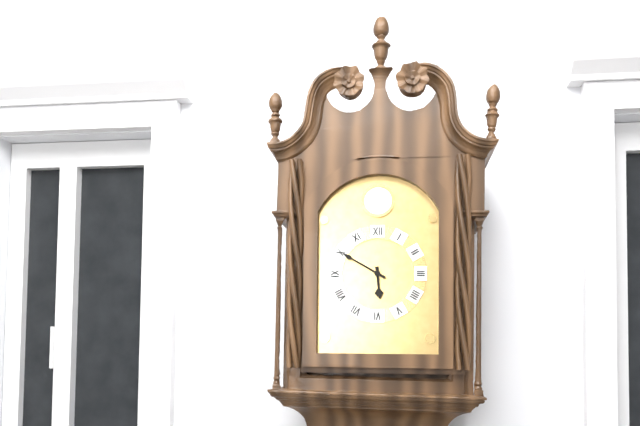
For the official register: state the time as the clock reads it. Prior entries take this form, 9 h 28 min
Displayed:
5 h 50 min
